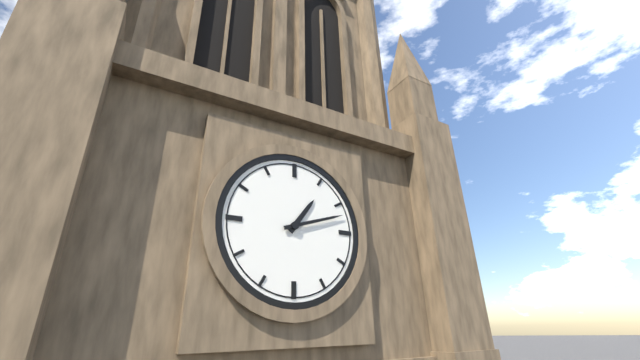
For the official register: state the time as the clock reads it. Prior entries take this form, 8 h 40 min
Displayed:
1 h 12 min
